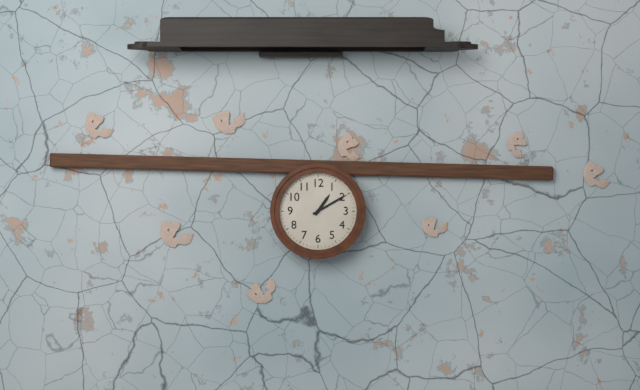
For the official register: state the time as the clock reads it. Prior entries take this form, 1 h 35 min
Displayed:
1 h 10 min
